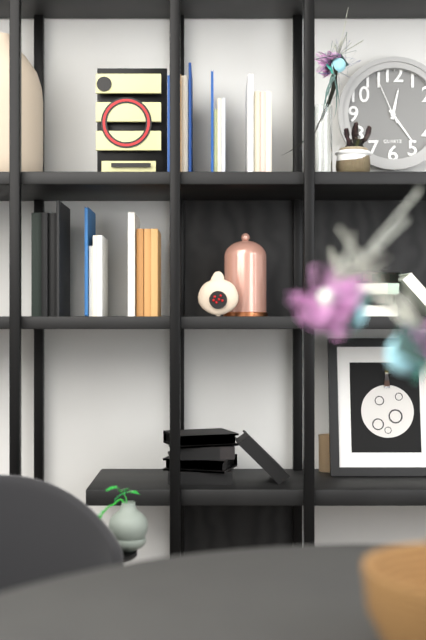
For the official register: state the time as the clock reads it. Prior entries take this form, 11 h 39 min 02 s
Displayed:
12 h 24 min 56 s
